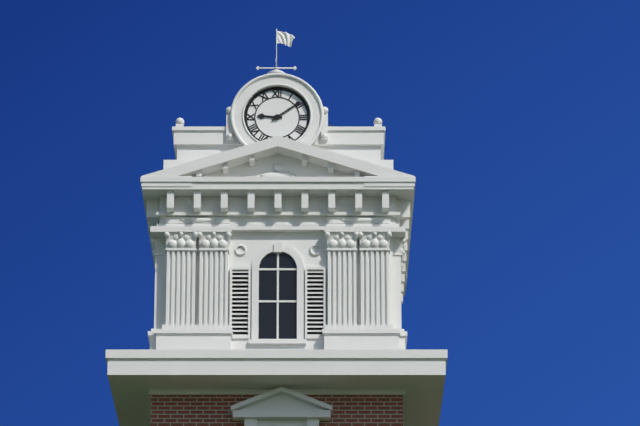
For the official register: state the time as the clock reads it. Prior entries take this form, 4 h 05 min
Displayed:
9 h 09 min
